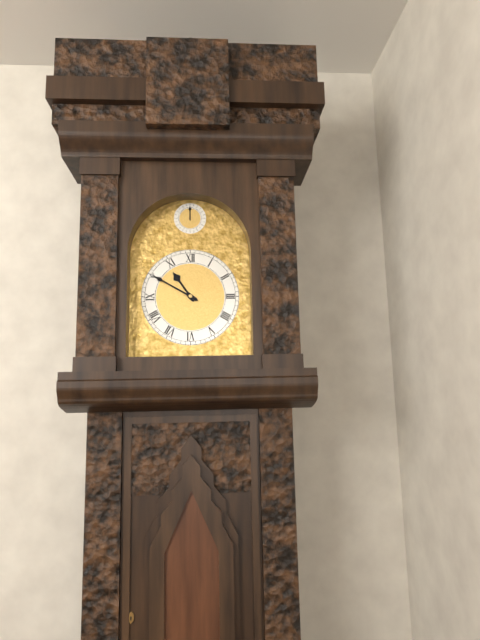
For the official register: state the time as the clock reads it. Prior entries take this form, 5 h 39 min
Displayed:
10 h 50 min
